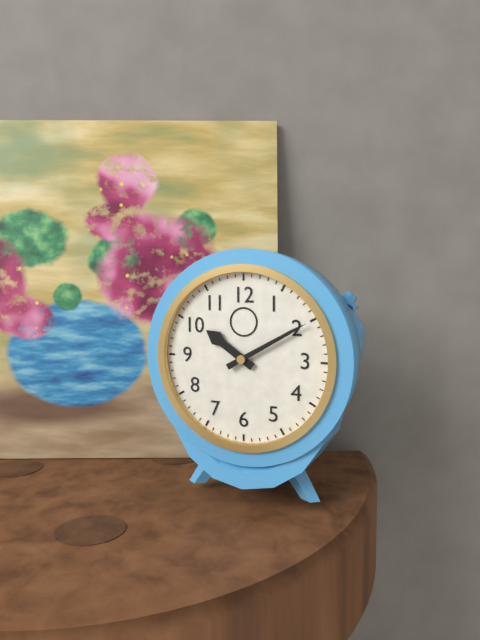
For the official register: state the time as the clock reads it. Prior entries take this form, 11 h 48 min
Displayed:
10 h 10 min
